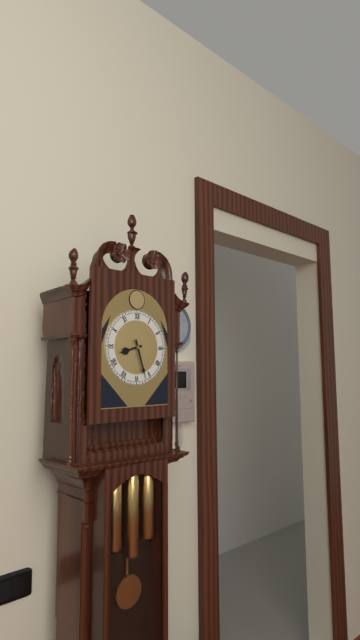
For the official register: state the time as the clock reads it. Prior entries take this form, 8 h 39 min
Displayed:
8 h 27 min
